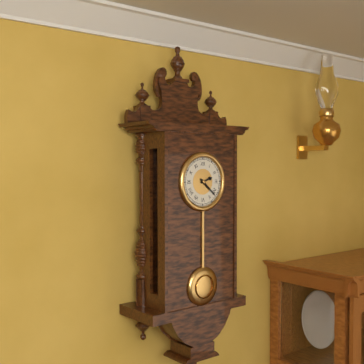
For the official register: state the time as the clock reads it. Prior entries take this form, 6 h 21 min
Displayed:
2 h 22 min
